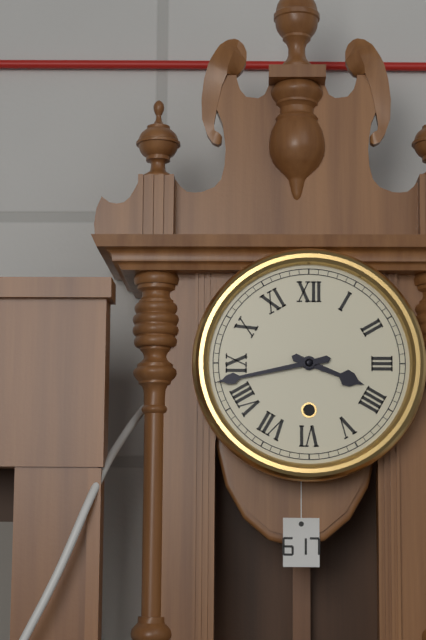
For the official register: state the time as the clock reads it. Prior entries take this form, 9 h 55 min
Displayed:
3 h 43 min
